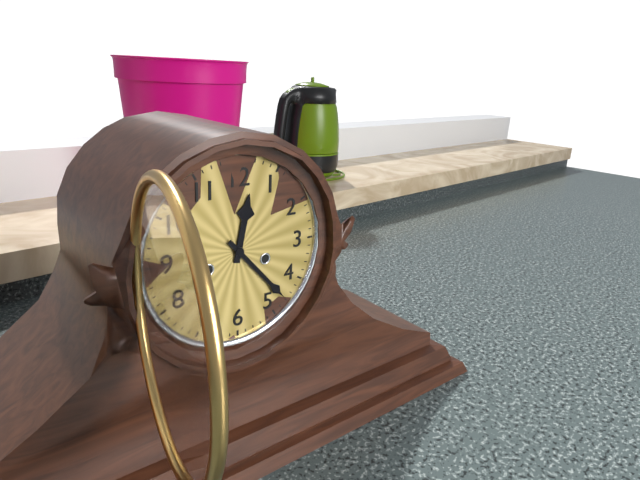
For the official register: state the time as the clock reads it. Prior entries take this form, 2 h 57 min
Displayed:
12 h 23 min
